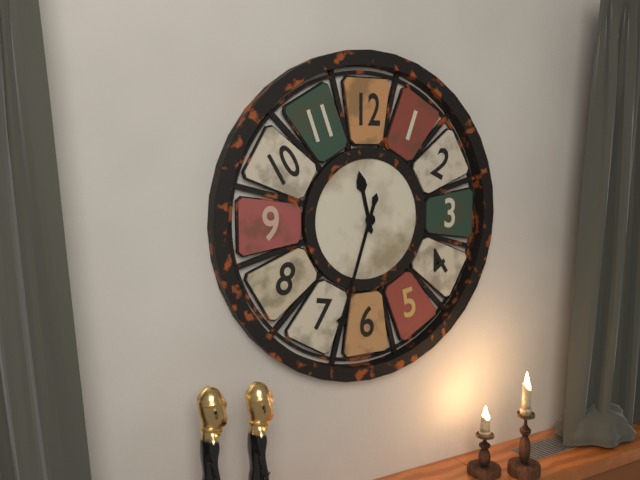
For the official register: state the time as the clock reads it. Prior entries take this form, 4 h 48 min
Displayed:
11 h 33 min
